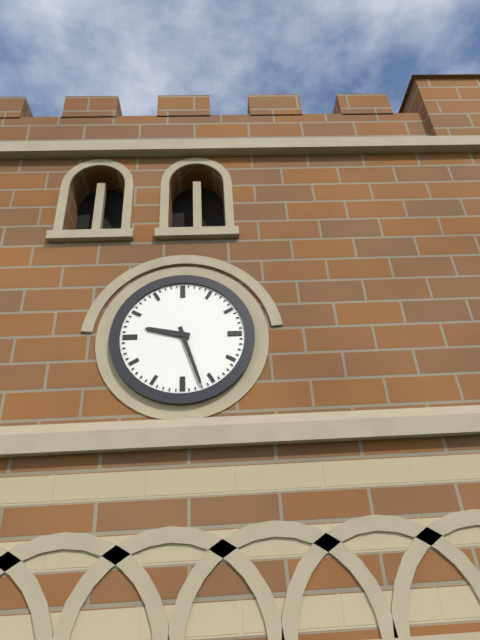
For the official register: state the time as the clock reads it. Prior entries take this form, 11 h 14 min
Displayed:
9 h 27 min
